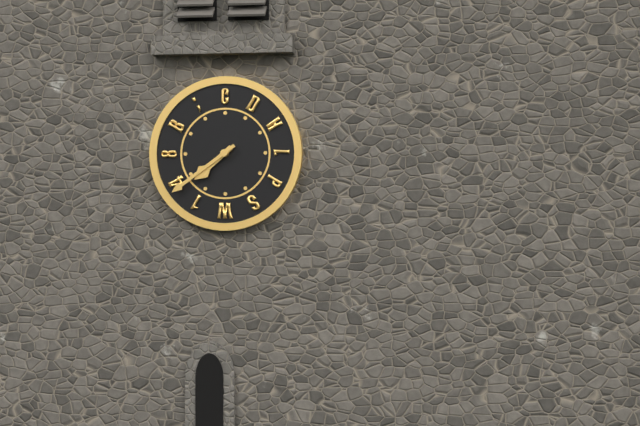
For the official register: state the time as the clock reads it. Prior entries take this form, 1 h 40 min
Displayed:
7 h 39 min
